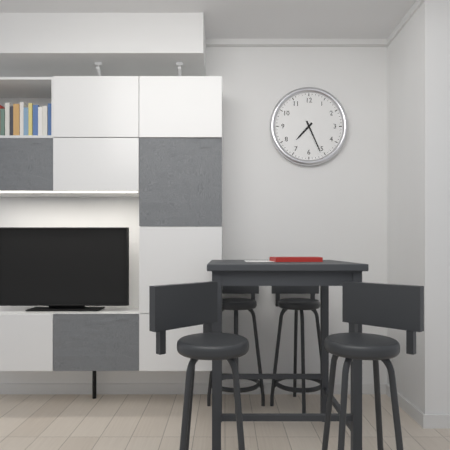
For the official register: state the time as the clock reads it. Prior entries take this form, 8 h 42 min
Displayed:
7 h 26 min
